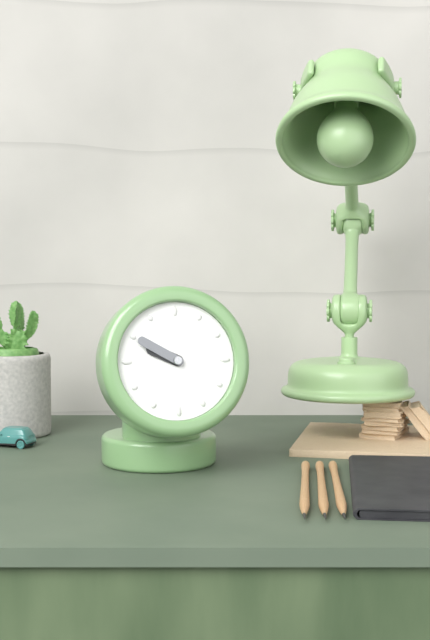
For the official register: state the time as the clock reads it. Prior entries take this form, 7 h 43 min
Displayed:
9 h 50 min
